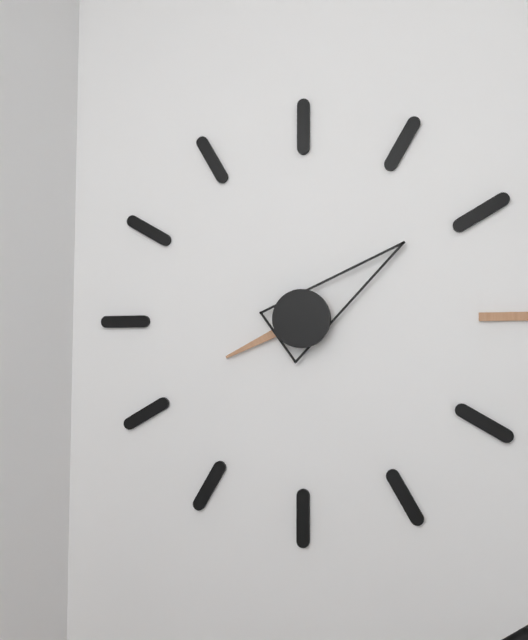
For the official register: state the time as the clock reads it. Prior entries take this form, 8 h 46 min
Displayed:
8 h 09 min
